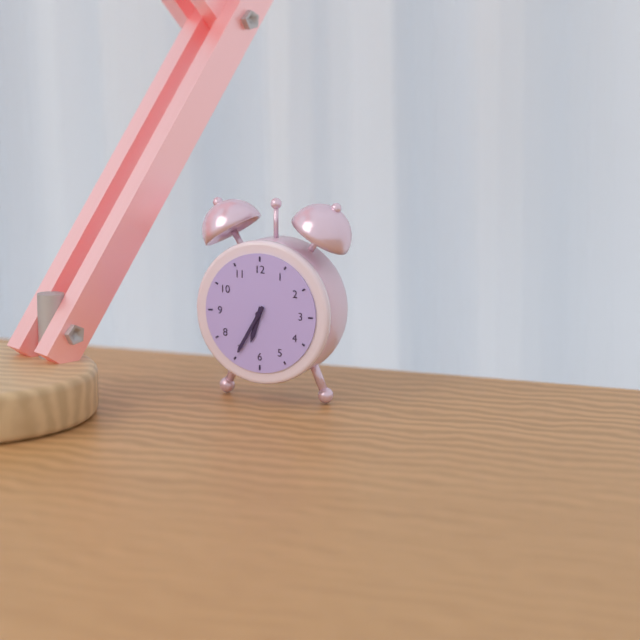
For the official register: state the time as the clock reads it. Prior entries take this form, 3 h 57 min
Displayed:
6 h 35 min
